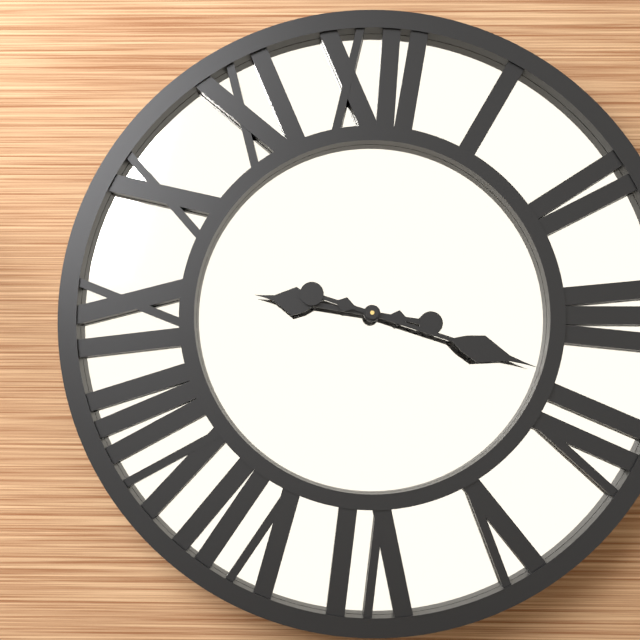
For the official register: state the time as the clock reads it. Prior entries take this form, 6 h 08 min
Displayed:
9 h 18 min
